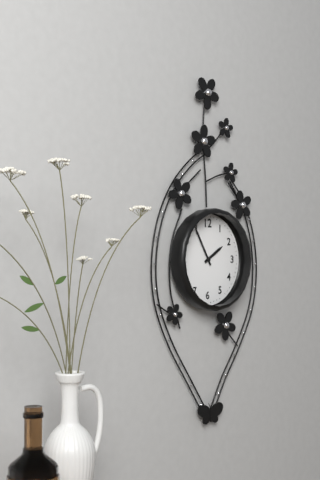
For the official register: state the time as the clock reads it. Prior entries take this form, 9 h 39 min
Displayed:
1 h 55 min
